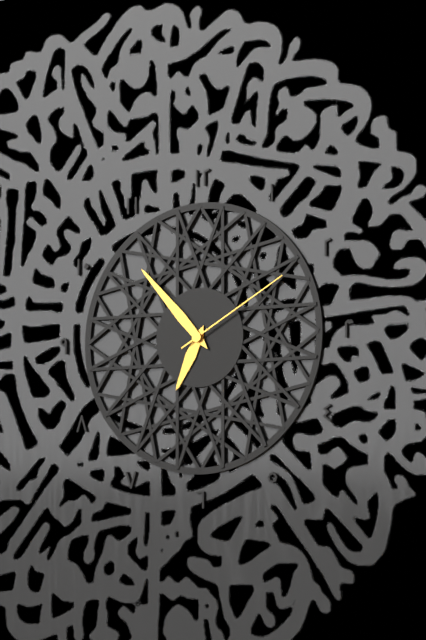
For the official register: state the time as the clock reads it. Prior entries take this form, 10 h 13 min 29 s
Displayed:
6 h 53 min 10 s
